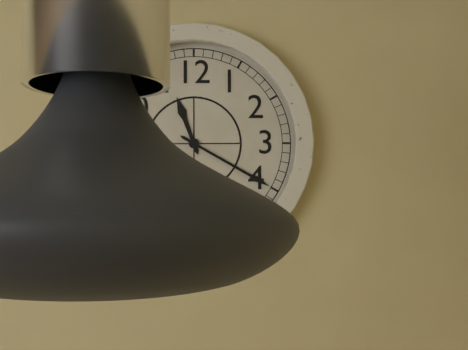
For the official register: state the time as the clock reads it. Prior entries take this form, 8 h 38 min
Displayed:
11 h 20 min
